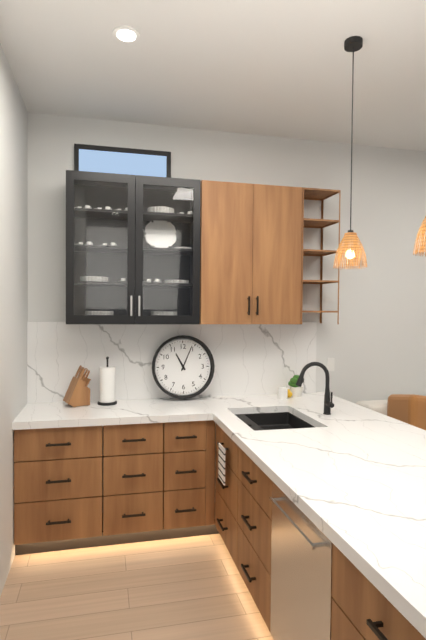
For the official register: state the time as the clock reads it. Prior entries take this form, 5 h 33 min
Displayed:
11 h 04 min
